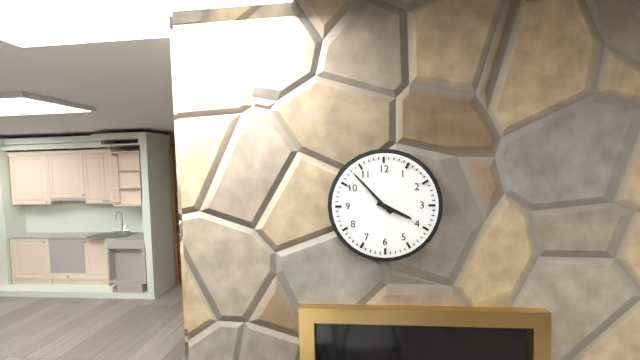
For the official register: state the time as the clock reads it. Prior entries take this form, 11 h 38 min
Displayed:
3 h 53 min
